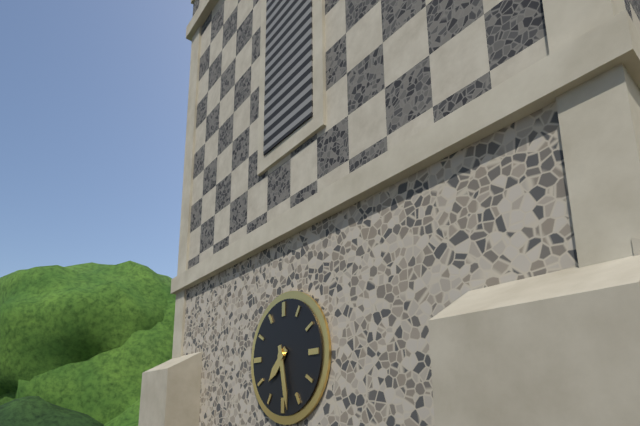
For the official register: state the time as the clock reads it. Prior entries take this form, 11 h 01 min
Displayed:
7 h 28 min
